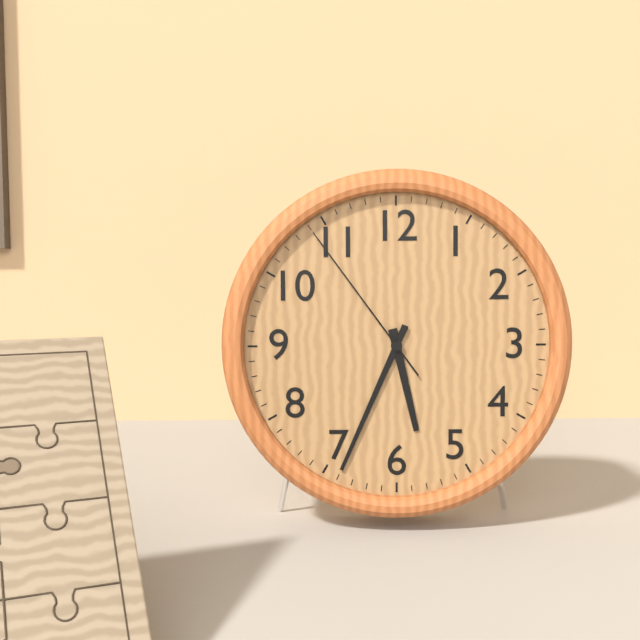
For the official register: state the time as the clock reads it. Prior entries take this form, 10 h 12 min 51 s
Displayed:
5 h 34 min 54 s
